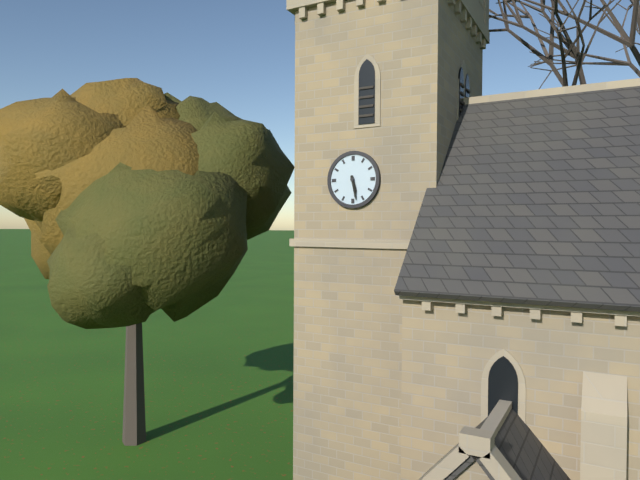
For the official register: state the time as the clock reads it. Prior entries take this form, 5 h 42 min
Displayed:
5 h 28 min
